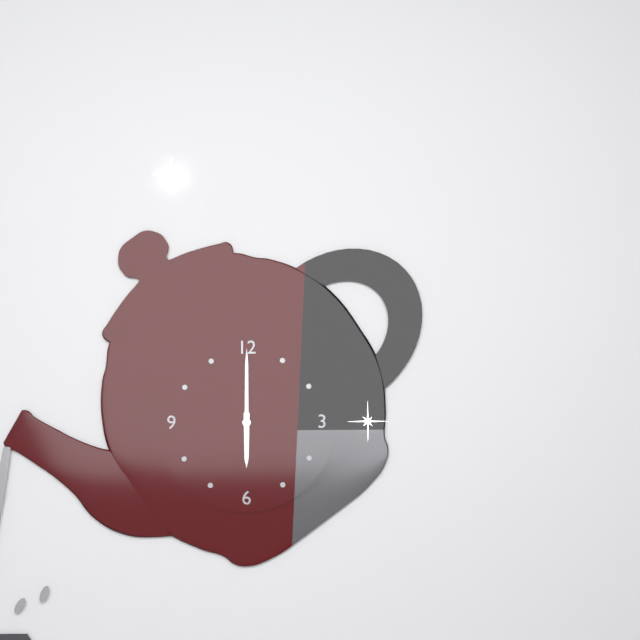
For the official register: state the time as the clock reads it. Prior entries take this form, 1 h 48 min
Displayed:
6 h 00 min
